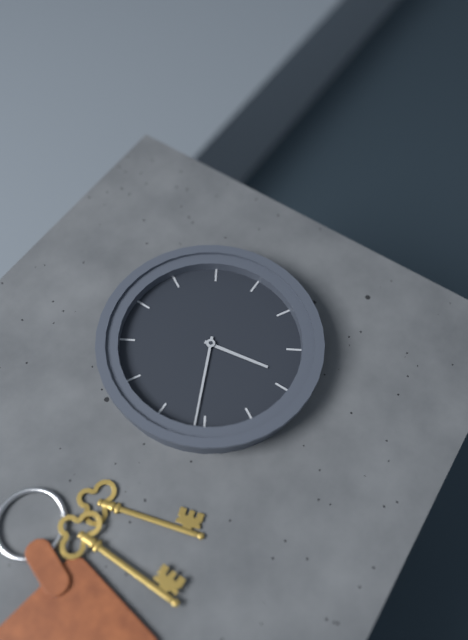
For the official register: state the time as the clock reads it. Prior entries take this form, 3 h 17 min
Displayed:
5 h 41 min
